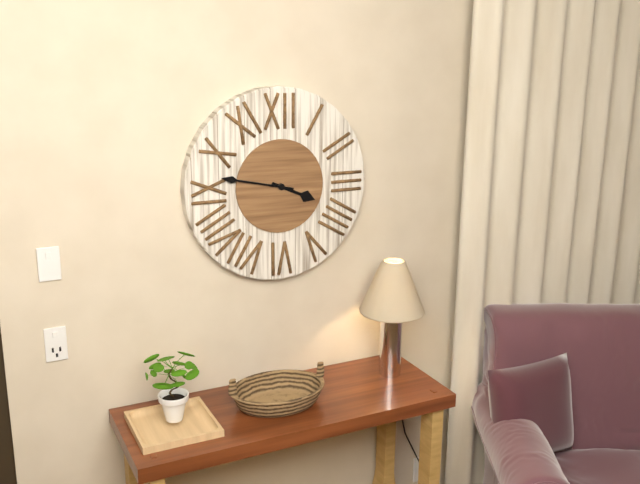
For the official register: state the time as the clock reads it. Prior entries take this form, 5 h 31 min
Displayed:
3 h 47 min
